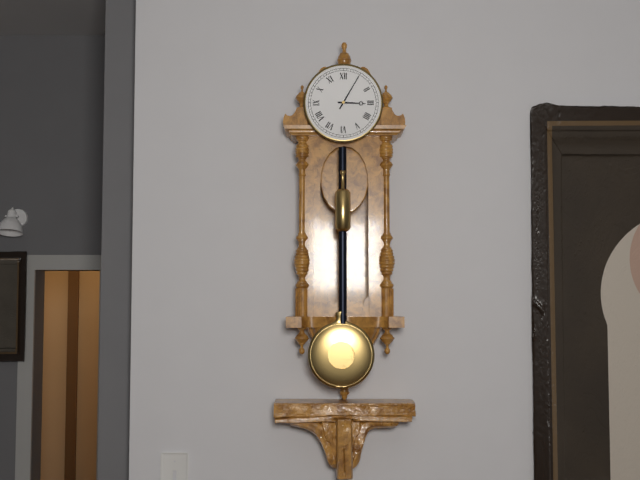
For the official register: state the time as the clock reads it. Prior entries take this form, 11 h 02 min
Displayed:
3 h 05 min
